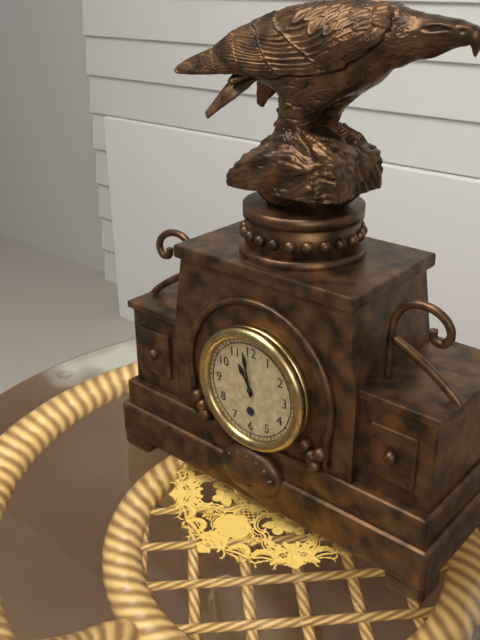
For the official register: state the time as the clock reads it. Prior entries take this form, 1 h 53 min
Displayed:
10 h 58 min
